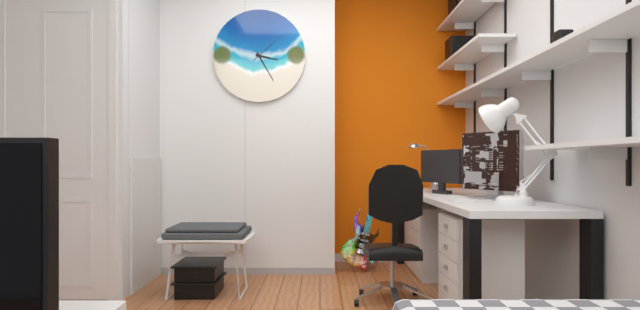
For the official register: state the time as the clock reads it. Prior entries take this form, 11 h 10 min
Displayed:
3 h 25 min
